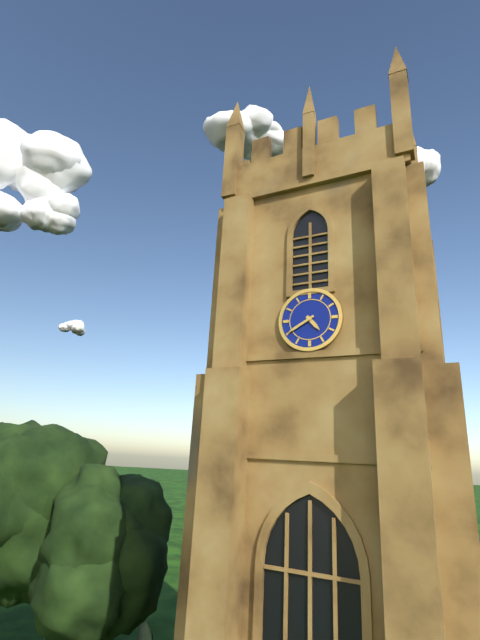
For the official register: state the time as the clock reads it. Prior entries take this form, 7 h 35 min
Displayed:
4 h 40 min
